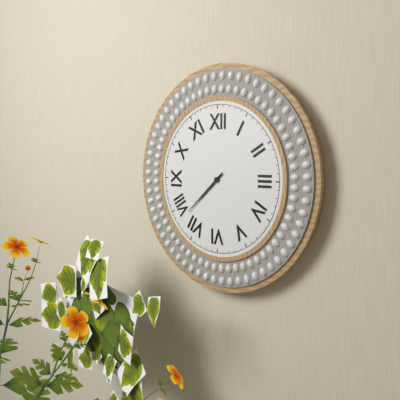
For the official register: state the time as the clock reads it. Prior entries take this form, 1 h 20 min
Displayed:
7 h 38 min
